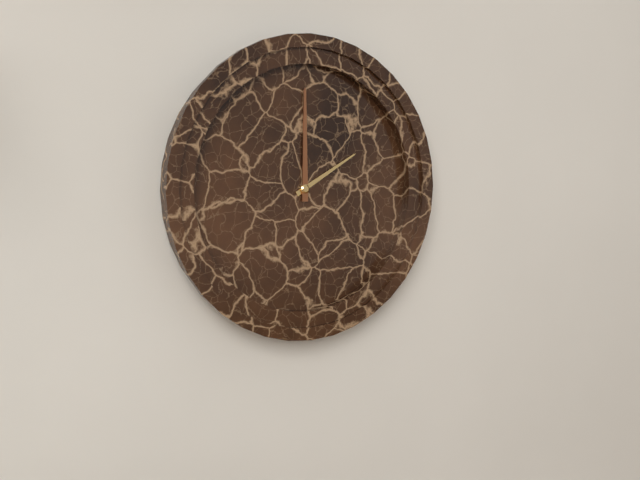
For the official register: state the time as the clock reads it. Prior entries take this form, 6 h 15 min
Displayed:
2 h 00 min
